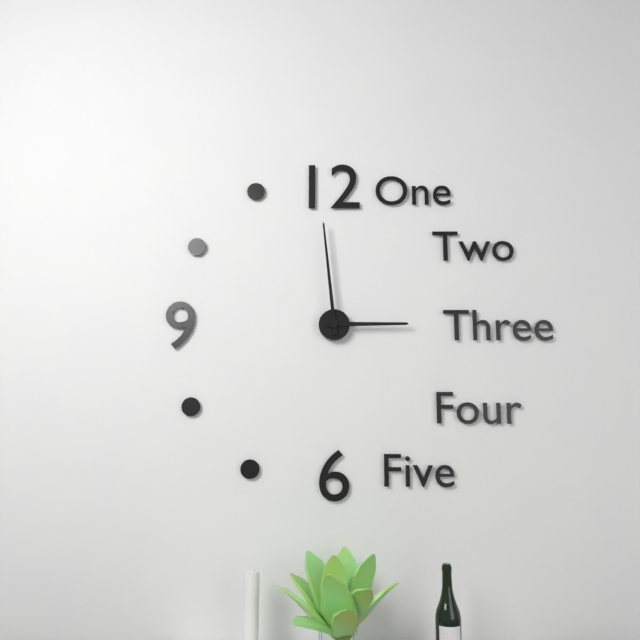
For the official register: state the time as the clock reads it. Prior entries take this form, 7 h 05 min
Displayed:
2 h 59 min
